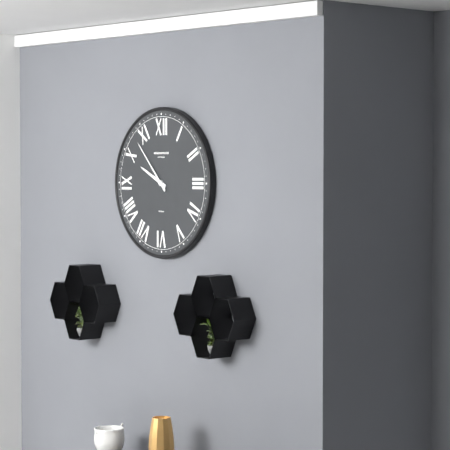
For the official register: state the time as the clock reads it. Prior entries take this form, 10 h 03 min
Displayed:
9 h 53 min
